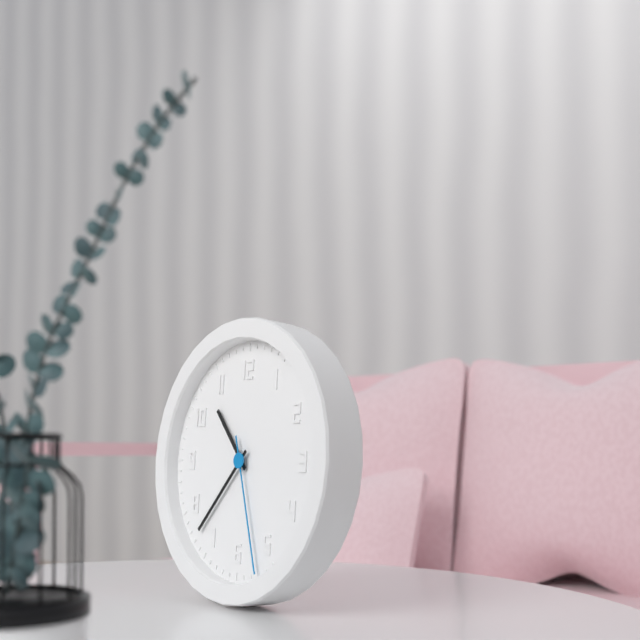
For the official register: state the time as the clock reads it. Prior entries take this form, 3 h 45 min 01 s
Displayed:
10 h 37 min 27 s
